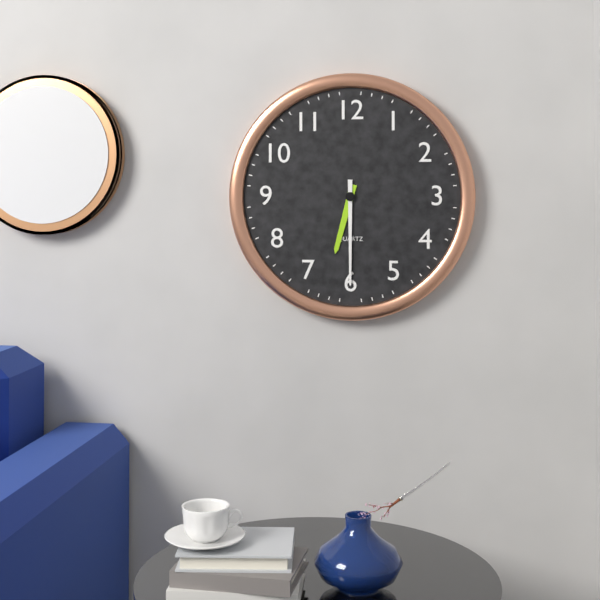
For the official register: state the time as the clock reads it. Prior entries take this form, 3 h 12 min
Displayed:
6 h 30 min
